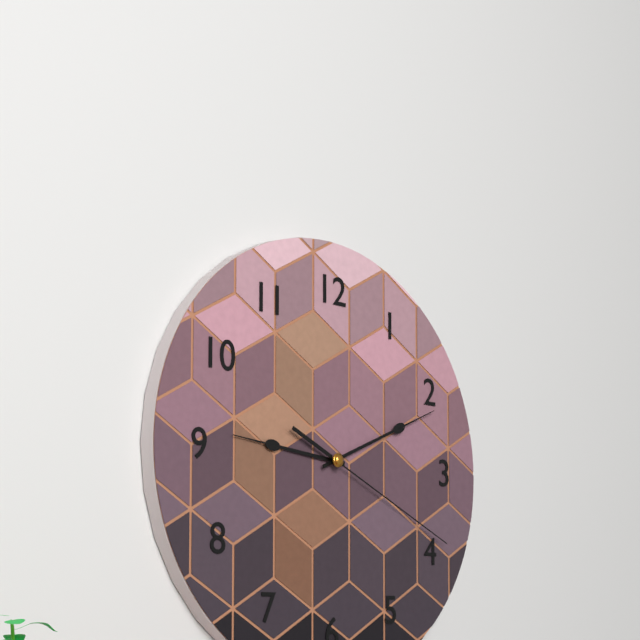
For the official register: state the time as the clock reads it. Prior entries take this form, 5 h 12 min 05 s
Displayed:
9 h 11 min 19 s
